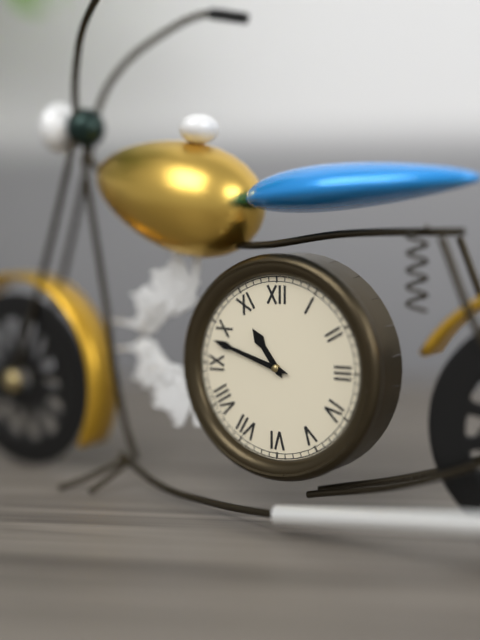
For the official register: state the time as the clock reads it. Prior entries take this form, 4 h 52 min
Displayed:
10 h 48 min
